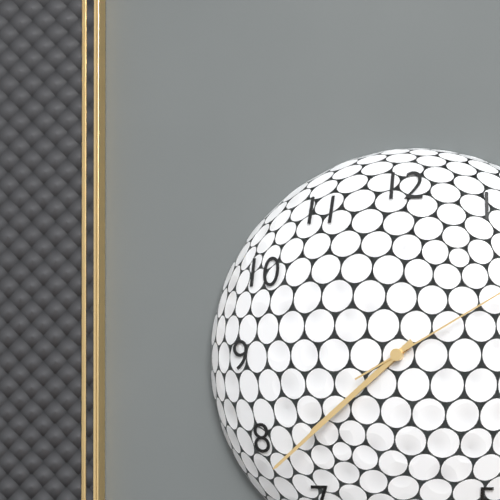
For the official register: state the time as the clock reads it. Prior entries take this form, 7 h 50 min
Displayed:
7 h 38 min
